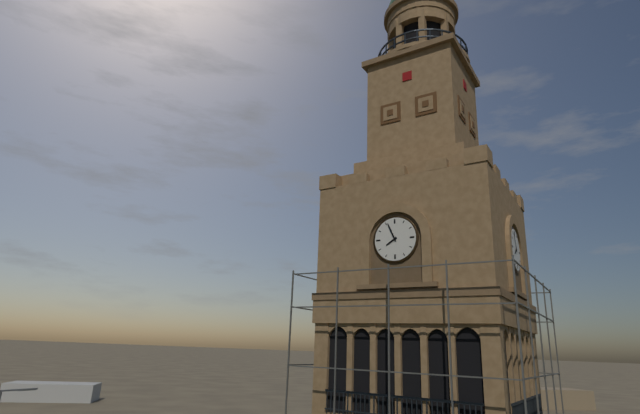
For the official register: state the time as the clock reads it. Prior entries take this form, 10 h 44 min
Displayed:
7 h 56 min
